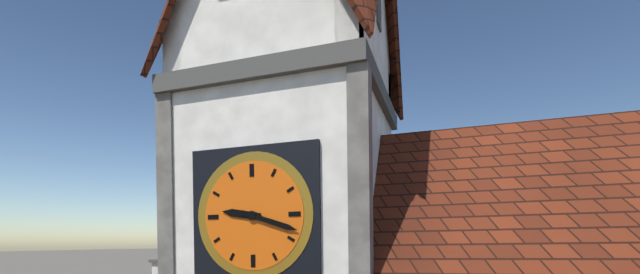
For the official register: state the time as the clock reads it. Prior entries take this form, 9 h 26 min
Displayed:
9 h 18 min
